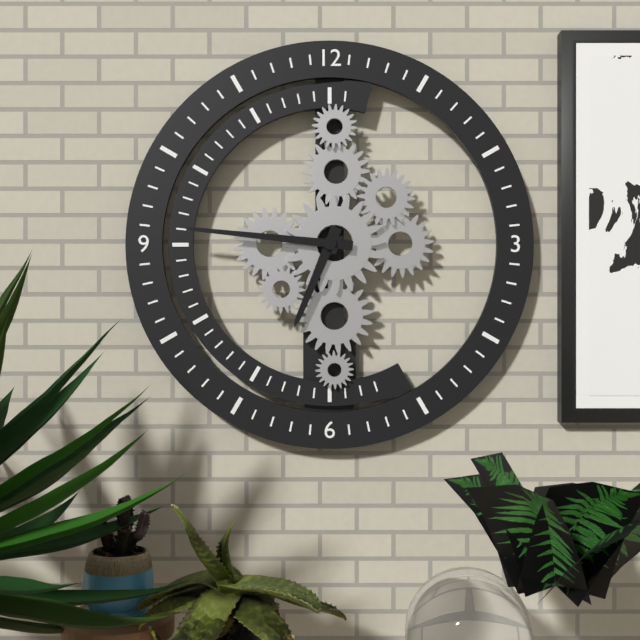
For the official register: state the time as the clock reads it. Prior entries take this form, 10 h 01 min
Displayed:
6 h 46 min
